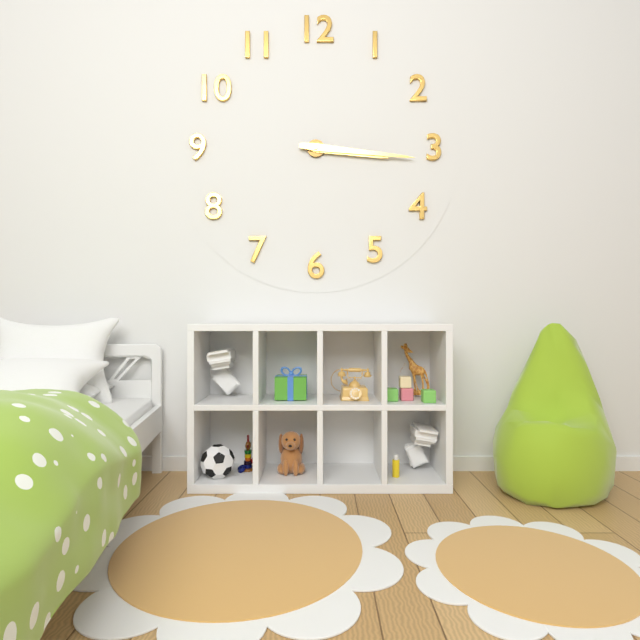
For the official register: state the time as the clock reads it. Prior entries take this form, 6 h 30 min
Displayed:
3 h 16 min
